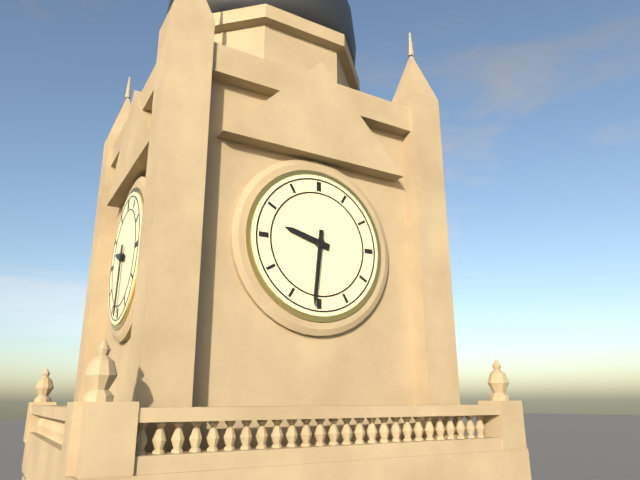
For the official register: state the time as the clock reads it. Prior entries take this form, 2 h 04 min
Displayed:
9 h 31 min
